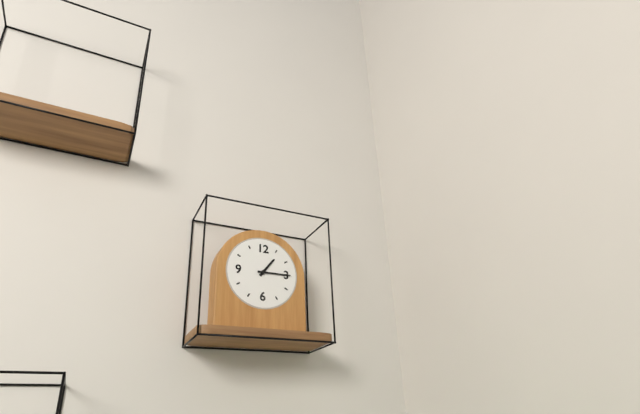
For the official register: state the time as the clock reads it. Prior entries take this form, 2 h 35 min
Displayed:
1 h 15 min
